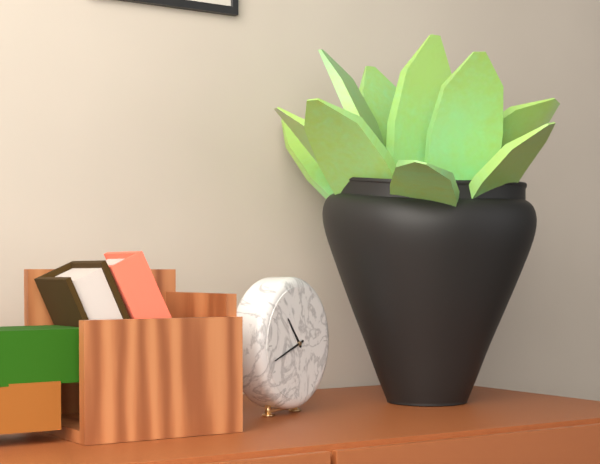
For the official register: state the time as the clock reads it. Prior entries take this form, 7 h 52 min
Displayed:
10 h 42 min
